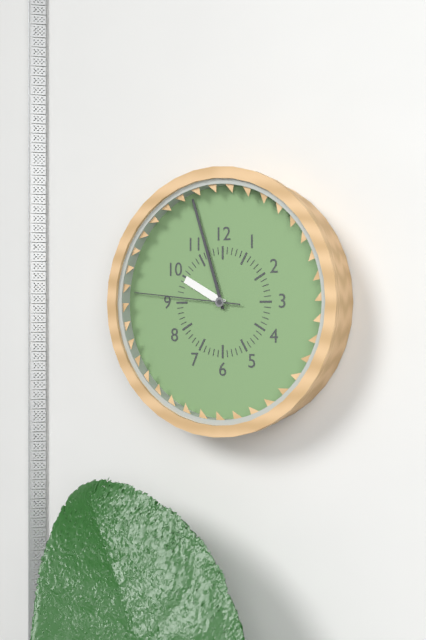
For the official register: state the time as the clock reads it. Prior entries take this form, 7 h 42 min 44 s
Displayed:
9 h 57 min 46 s
